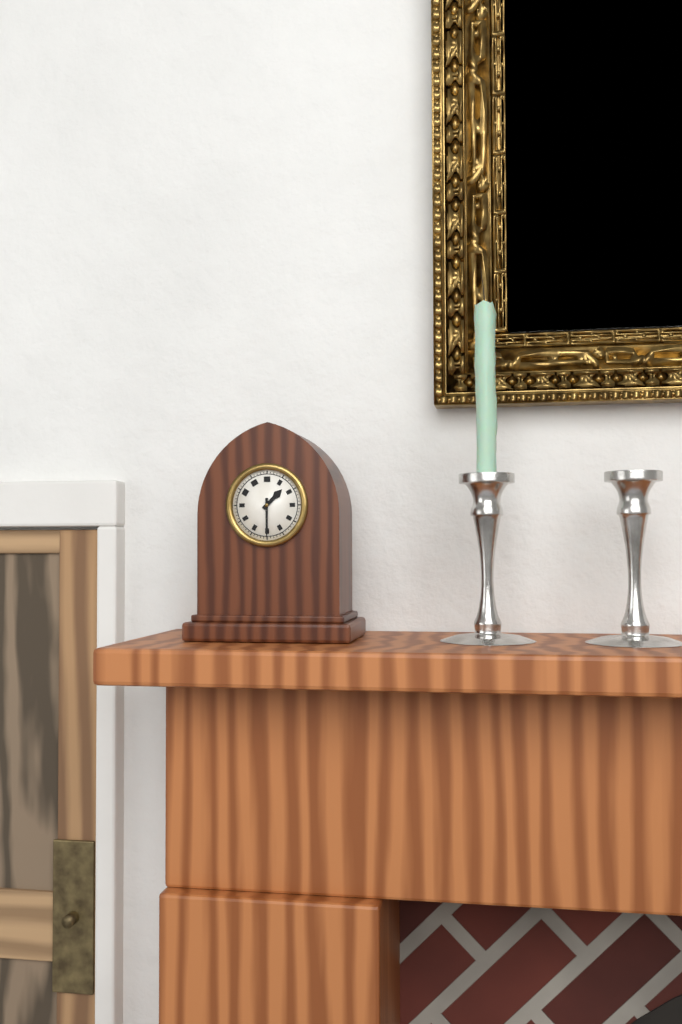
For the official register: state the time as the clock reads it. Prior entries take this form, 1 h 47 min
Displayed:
1 h 30 min
